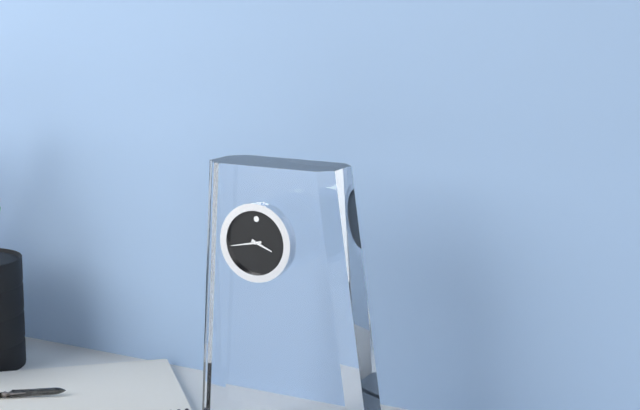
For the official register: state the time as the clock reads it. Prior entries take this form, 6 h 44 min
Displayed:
3 h 43 min
